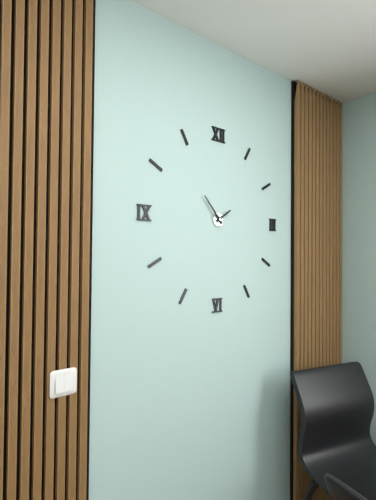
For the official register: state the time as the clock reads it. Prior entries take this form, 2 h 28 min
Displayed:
1 h 53 min
